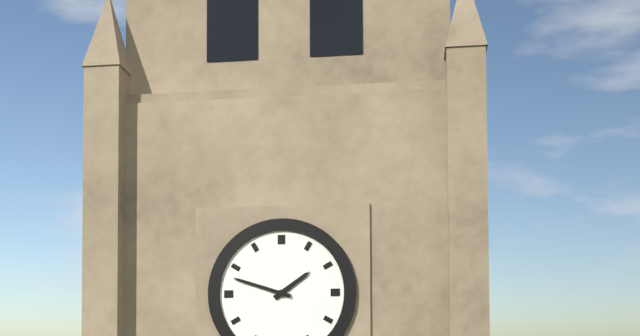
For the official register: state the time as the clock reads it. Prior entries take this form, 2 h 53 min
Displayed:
1 h 48 min
